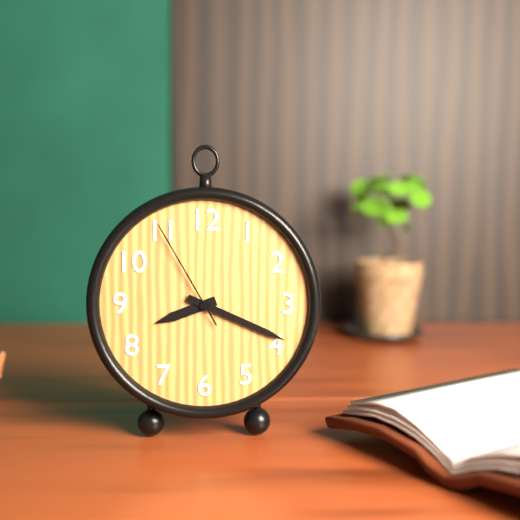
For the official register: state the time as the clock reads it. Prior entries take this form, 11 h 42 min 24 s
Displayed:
8 h 19 min 55 s
